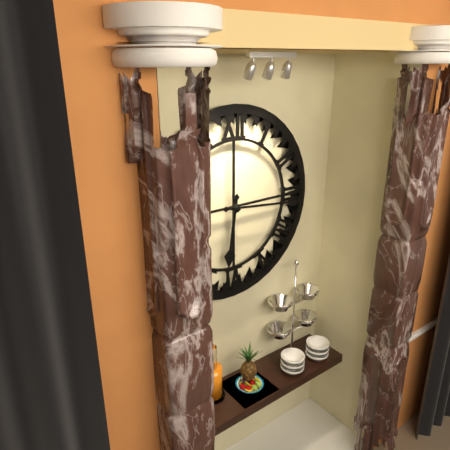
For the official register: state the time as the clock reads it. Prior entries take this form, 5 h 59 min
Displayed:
6 h 16 min
